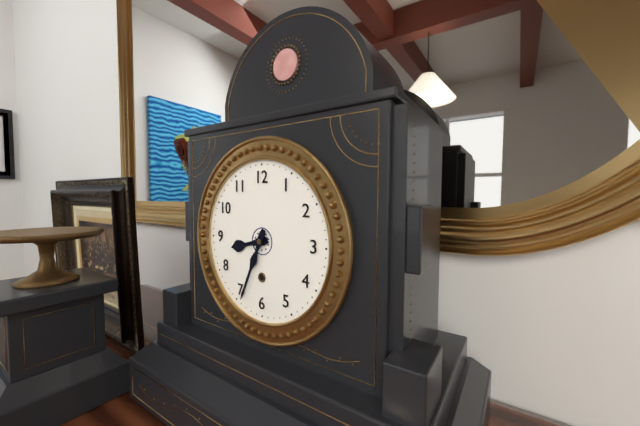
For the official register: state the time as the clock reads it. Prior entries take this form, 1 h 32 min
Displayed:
8 h 34 min
